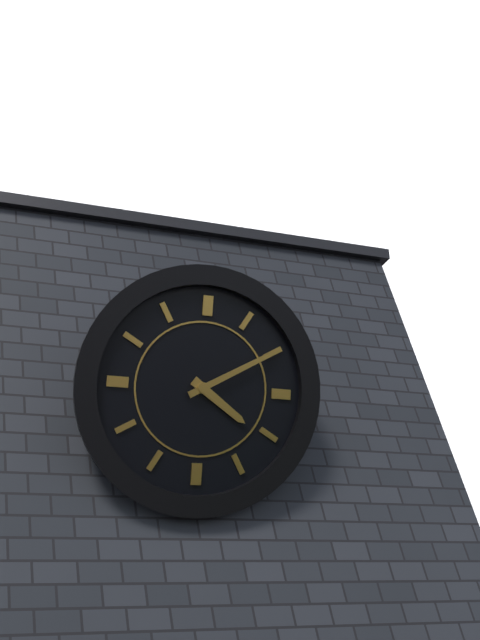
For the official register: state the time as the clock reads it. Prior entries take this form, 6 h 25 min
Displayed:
4 h 10 min
